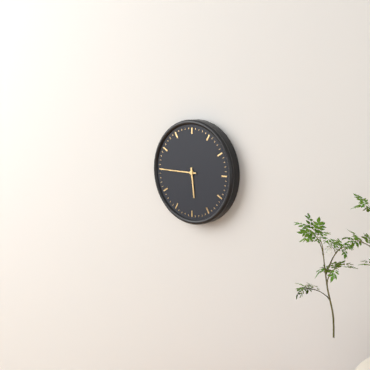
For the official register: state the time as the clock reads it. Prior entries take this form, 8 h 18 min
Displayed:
5 h 45 min
